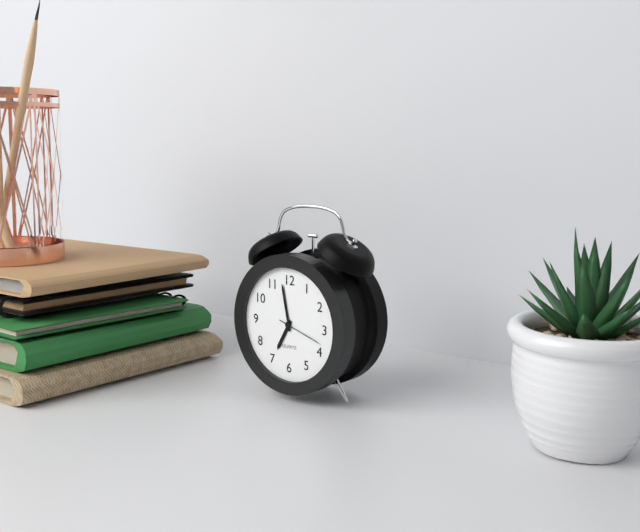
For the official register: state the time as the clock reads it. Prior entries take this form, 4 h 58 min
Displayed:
6 h 58 min
